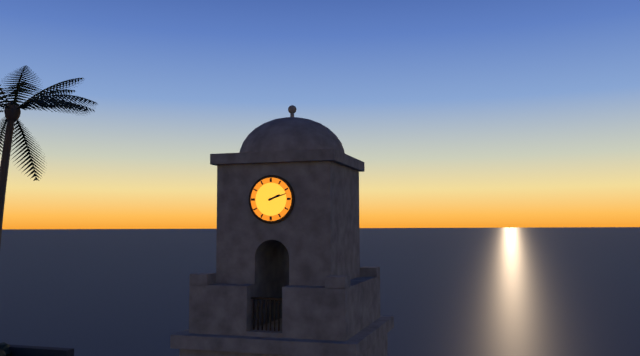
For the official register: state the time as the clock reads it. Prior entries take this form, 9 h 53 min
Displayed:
2 h 12 min
